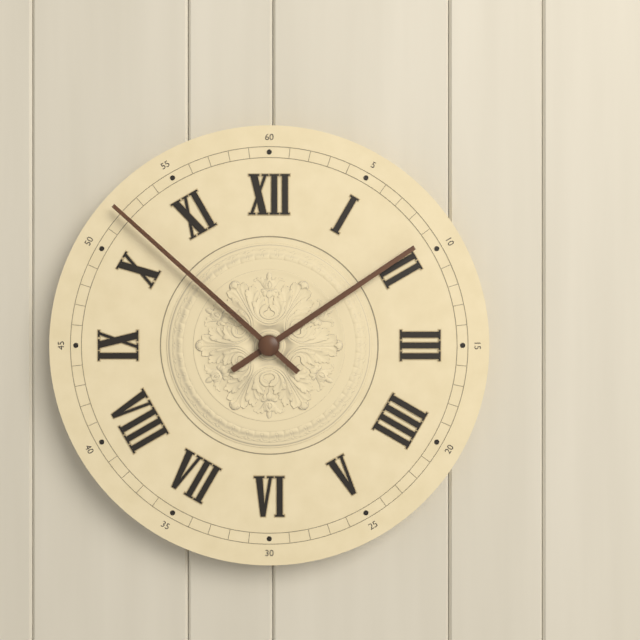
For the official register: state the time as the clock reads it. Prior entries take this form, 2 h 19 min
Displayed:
1 h 52 min
